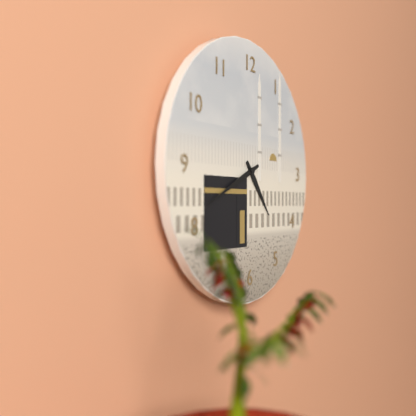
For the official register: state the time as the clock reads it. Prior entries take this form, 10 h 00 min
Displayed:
4 h 41 min
